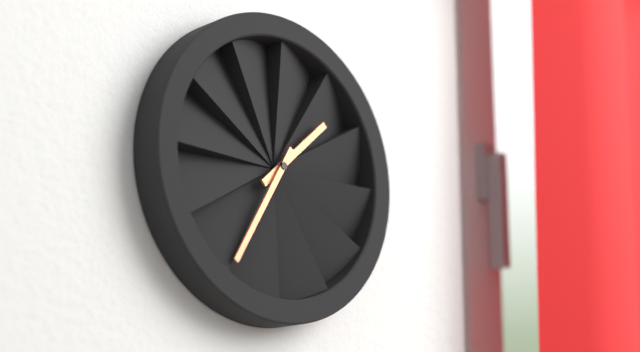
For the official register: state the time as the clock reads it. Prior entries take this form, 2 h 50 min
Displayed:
1 h 35 min
